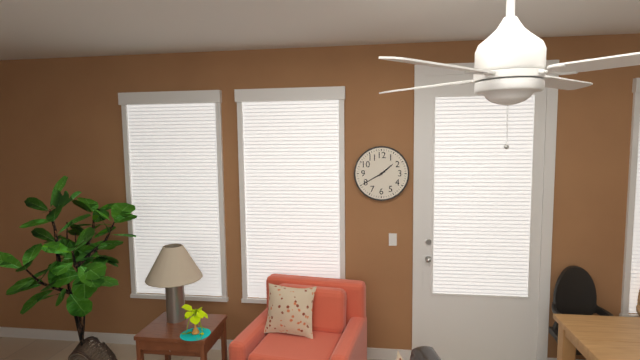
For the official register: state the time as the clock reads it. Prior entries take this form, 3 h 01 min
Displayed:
1 h 40 min
